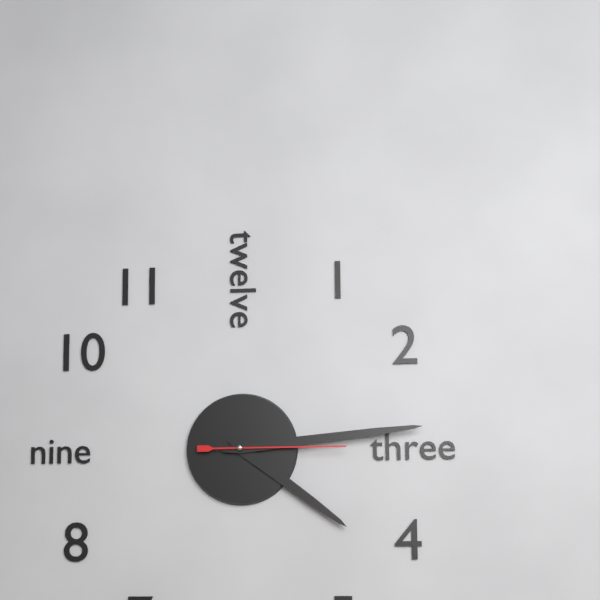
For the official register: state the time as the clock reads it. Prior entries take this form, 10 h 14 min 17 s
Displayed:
4 h 14 min 15 s
